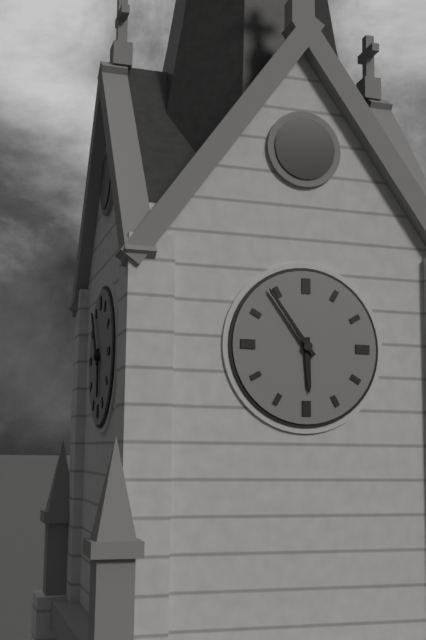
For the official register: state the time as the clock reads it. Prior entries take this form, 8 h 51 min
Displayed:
5 h 54 min
